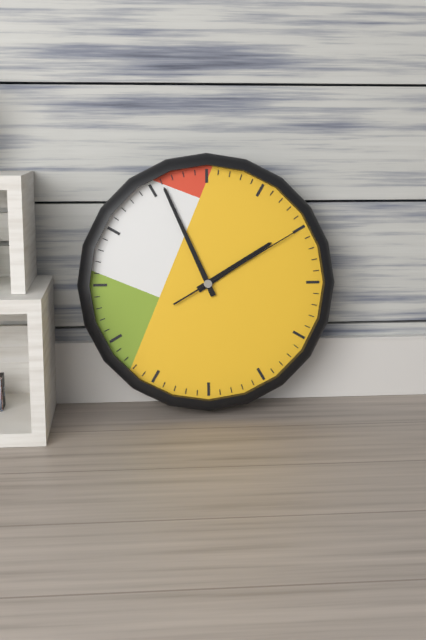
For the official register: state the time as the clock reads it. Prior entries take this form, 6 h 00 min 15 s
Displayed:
1 h 56 min 10 s
